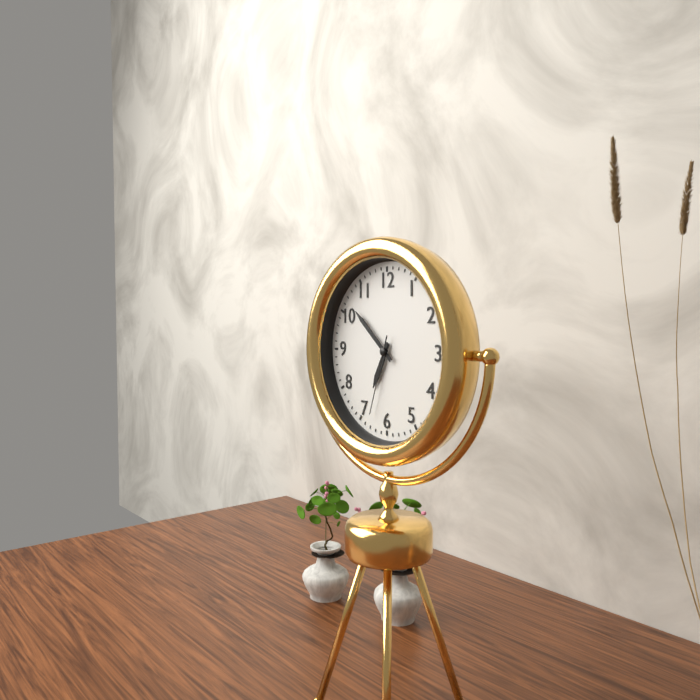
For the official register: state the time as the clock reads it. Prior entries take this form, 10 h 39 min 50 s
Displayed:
6 h 52 min 33 s
